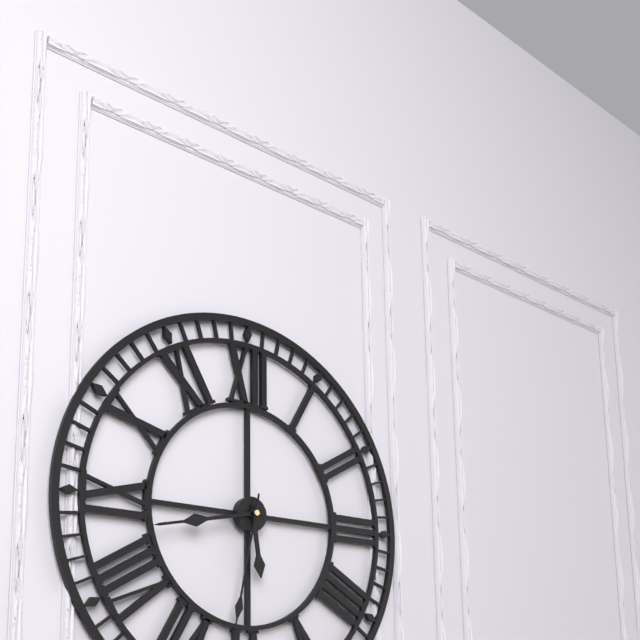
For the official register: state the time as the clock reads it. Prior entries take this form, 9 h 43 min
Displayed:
5 h 43 min
